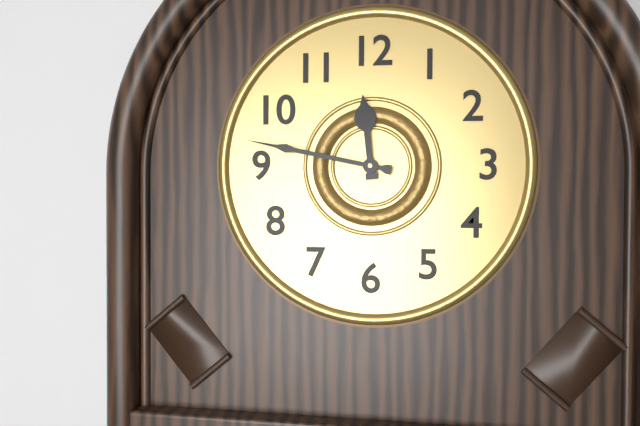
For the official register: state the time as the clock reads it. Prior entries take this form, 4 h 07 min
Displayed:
11 h 47 min
